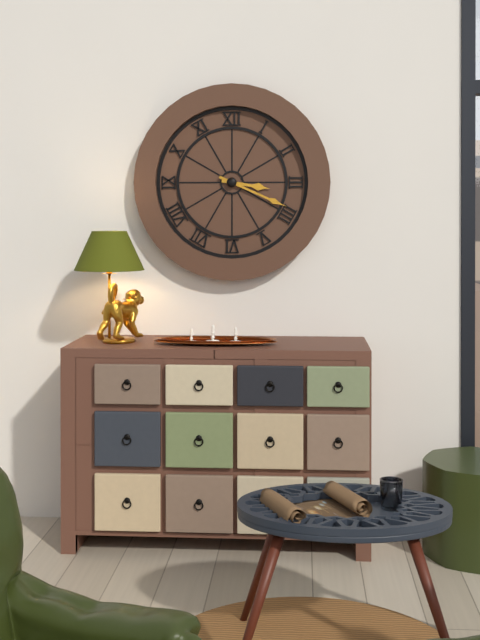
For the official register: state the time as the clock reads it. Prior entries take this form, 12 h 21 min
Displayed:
3 h 19 min
